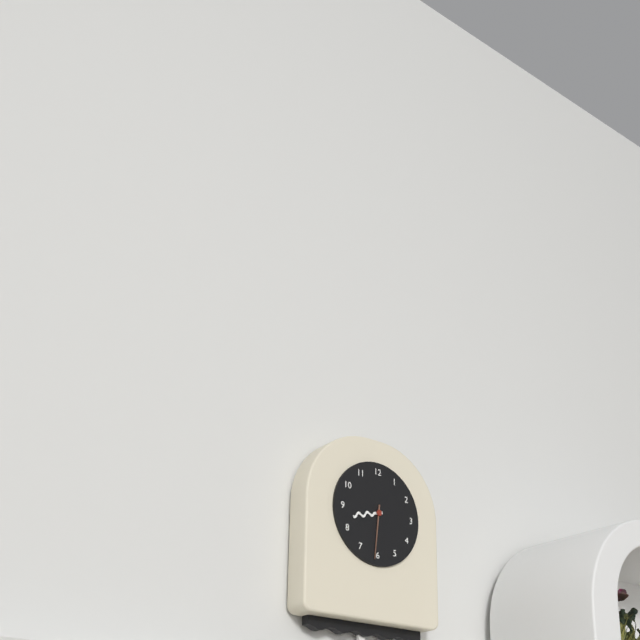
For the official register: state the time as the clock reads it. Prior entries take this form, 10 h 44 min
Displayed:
8 h 31 min
